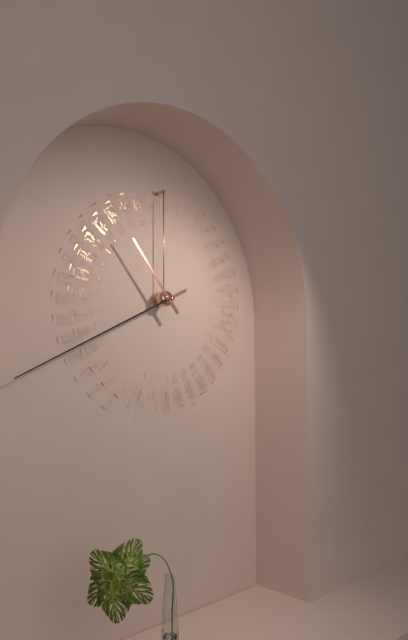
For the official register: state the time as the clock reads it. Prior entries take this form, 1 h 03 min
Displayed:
10 h 41 min
